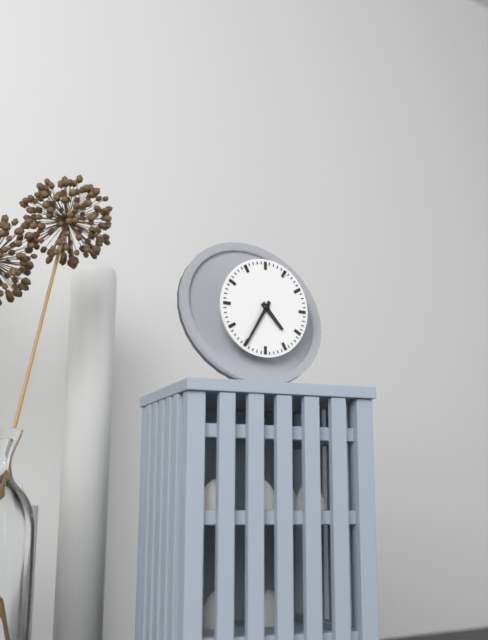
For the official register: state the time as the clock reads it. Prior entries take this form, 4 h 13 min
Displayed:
4 h 35 min
